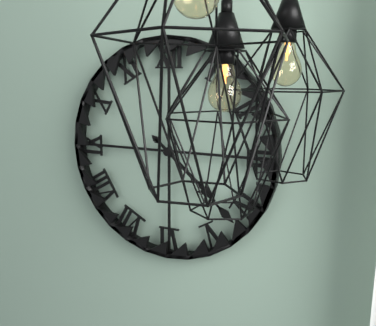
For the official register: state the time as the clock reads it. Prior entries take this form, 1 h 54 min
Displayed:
4 h 22 min
